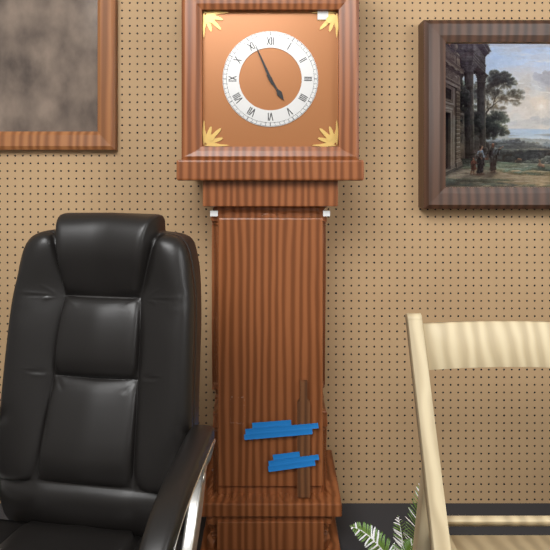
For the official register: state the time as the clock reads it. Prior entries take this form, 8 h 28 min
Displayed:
4 h 56 min
